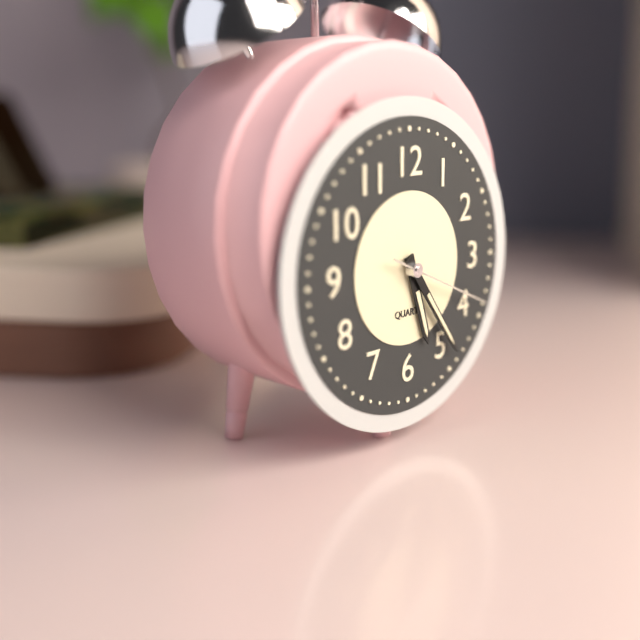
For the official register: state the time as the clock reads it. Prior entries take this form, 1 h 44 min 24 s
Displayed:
5 h 24 min 19 s
